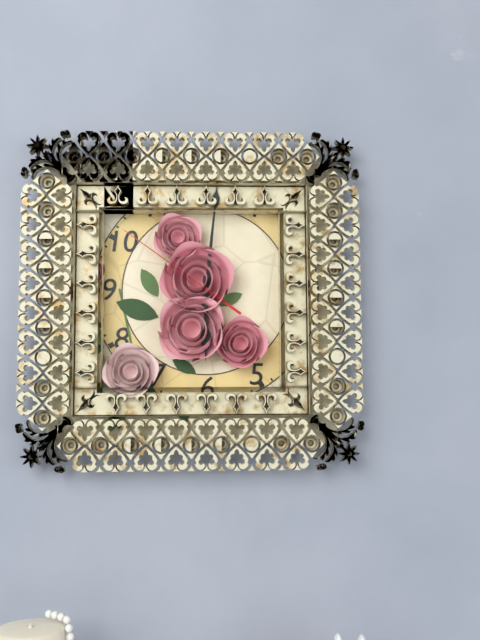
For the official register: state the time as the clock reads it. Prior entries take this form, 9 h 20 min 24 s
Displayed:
6 h 01 min 51 s
